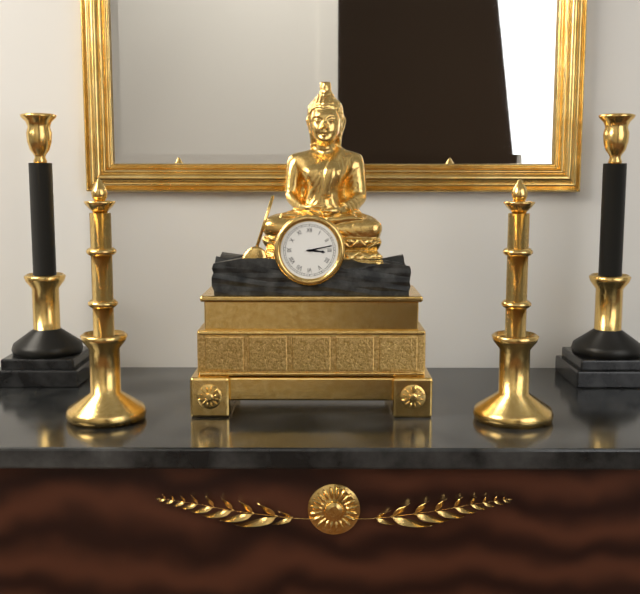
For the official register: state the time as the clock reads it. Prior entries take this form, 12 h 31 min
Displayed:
3 h 13 min
